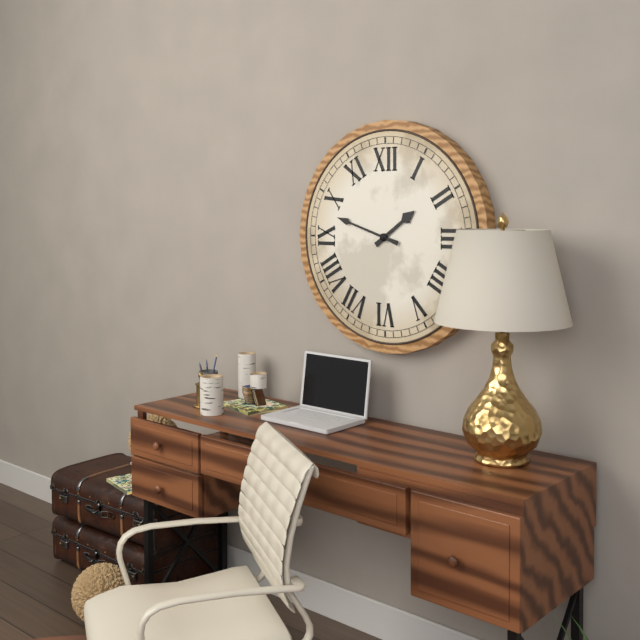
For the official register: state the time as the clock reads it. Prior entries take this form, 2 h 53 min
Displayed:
1 h 48 min
